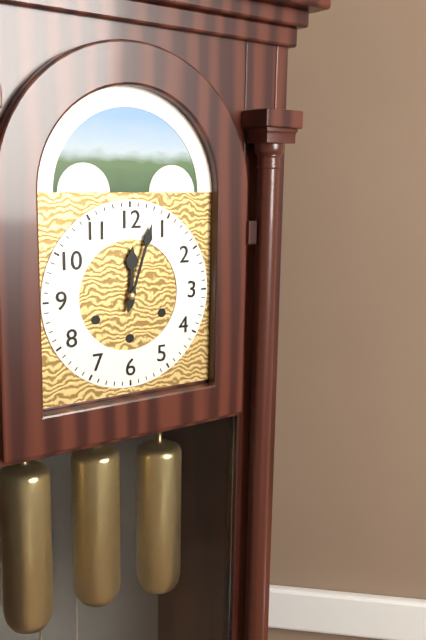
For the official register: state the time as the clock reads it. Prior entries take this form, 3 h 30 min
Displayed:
12 h 03 min
